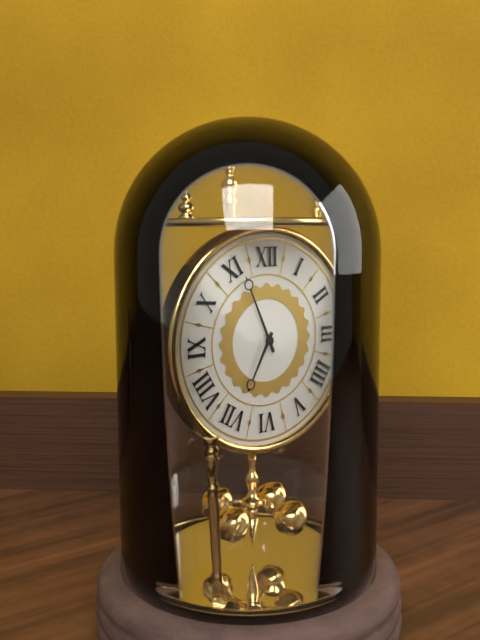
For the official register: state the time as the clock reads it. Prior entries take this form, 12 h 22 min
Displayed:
6 h 56 min
